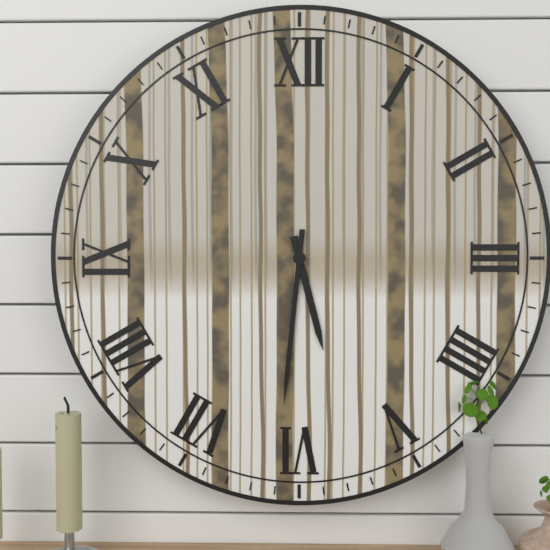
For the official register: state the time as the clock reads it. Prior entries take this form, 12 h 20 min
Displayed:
5 h 31 min
